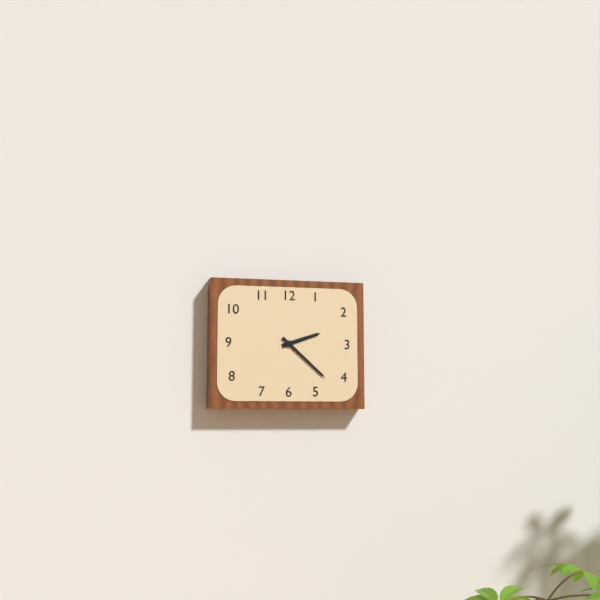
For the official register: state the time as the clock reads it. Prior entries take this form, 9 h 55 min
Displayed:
2 h 22 min
